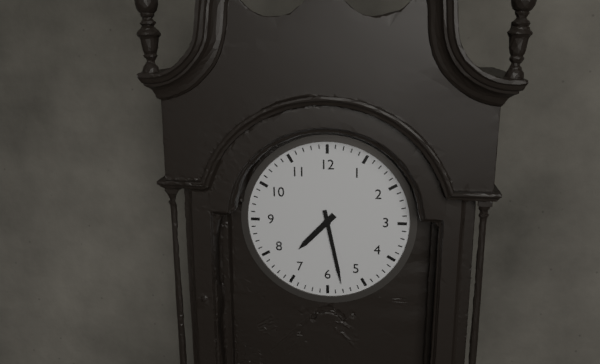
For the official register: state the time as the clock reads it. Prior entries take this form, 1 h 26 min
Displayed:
7 h 28 min
